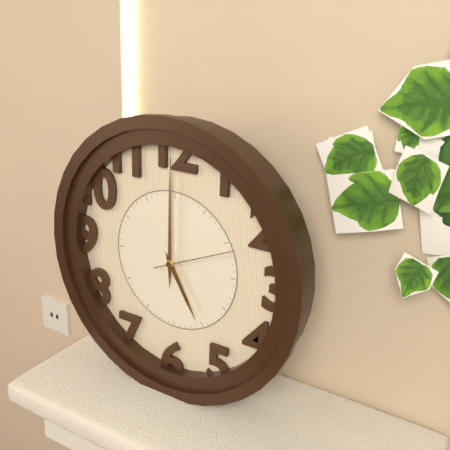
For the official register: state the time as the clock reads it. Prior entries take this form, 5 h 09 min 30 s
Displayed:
5 h 00 min 11 s
